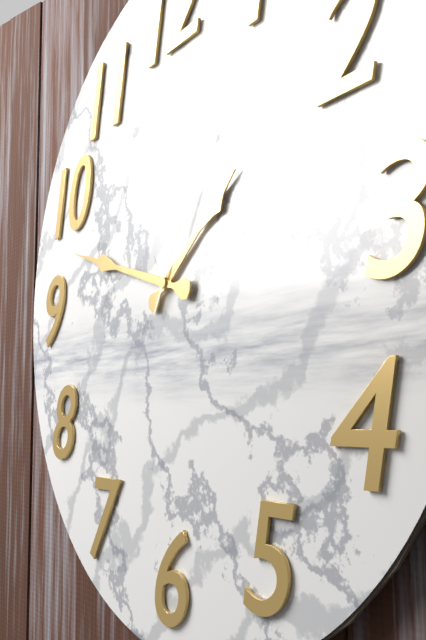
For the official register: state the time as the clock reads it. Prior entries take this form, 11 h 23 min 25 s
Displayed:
1 h 48 min 05 s
